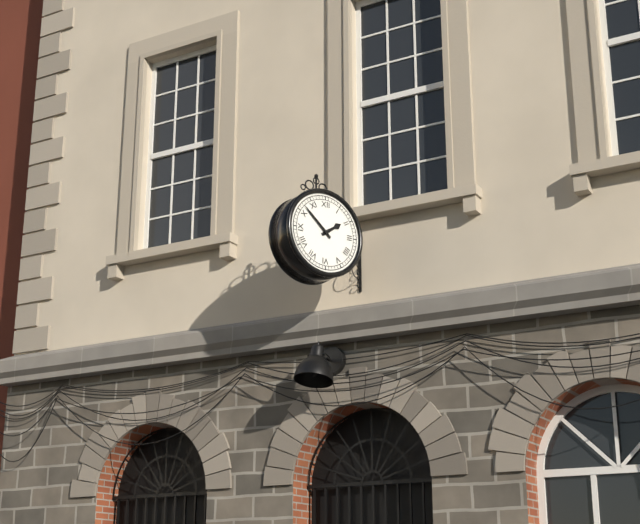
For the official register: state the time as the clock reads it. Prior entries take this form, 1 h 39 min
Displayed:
1 h 52 min
